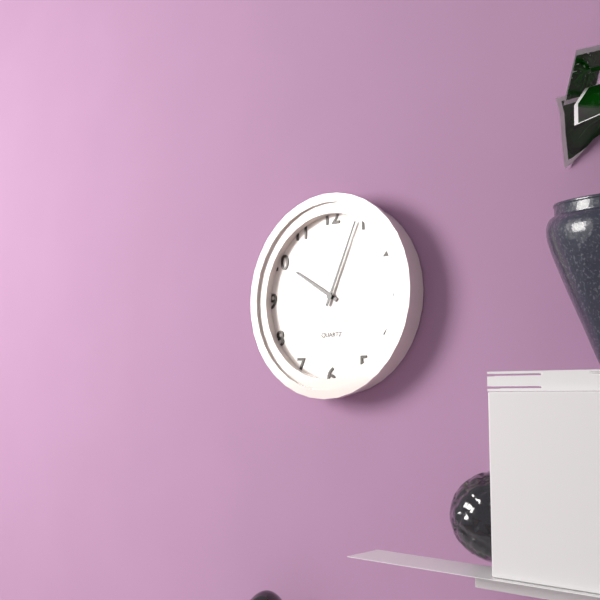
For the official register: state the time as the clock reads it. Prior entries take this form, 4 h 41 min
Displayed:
10 h 04 min
